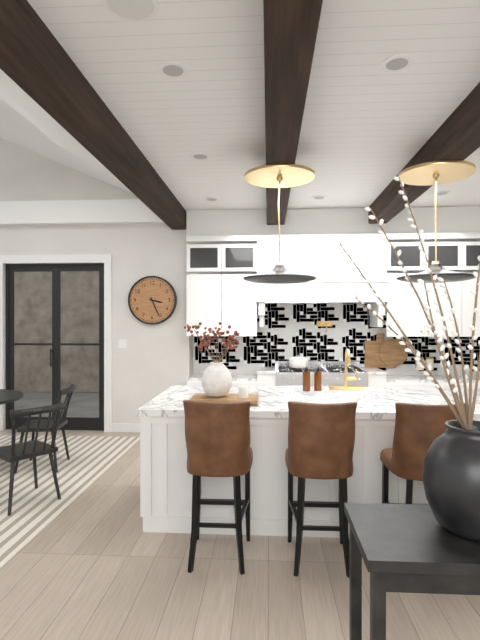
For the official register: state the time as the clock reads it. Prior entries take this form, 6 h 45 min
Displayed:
3 h 26 min
